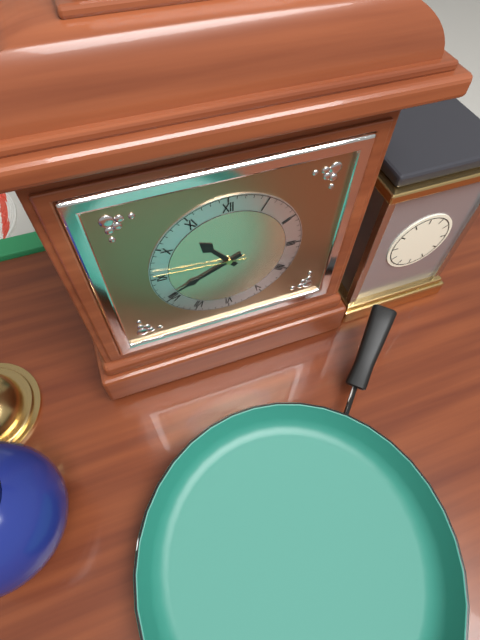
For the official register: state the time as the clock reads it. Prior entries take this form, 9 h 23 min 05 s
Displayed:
10 h 41 min 46 s
